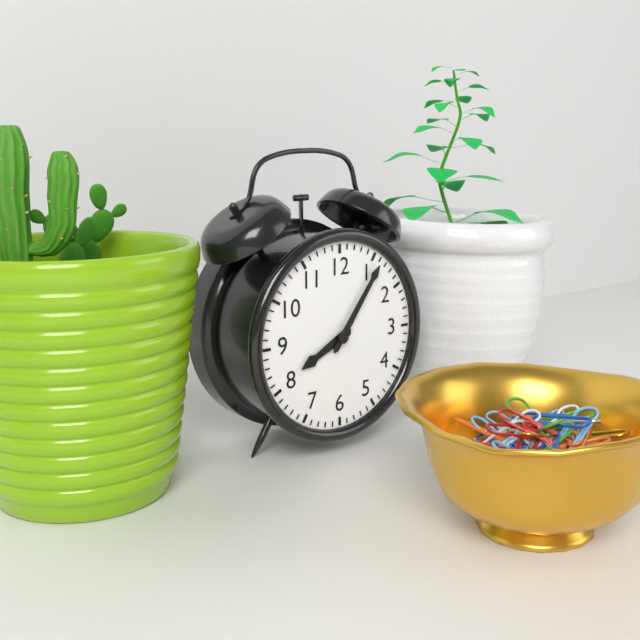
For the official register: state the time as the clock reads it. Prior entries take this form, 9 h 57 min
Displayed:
8 h 06 min
